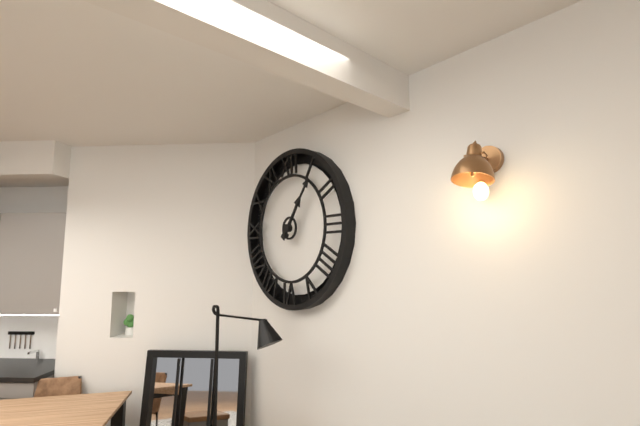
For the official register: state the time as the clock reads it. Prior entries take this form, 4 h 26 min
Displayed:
1 h 06 min
